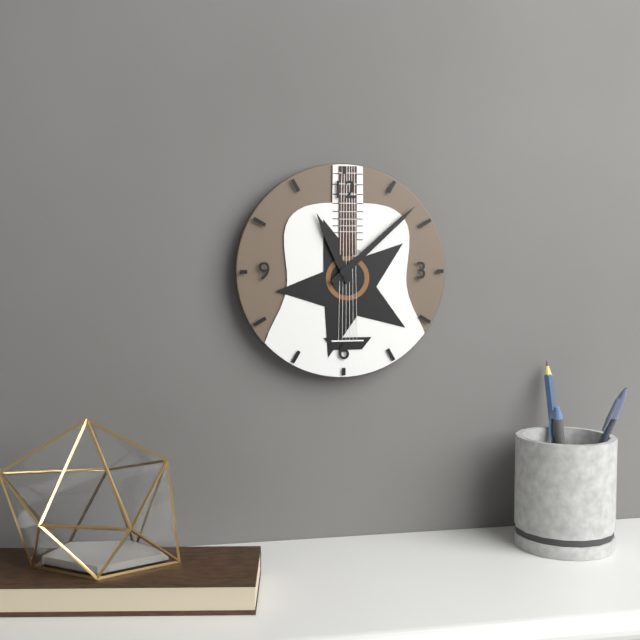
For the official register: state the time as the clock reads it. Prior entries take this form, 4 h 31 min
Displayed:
11 h 08 min
